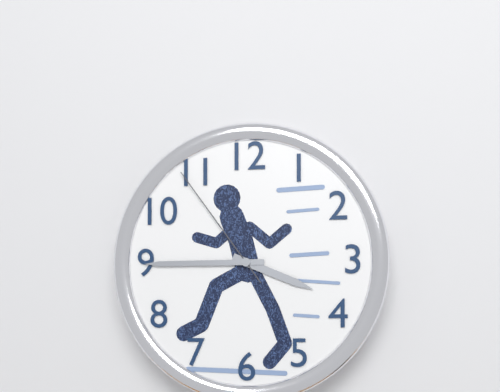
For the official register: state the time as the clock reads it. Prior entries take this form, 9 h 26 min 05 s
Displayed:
3 h 45 min 54 s
